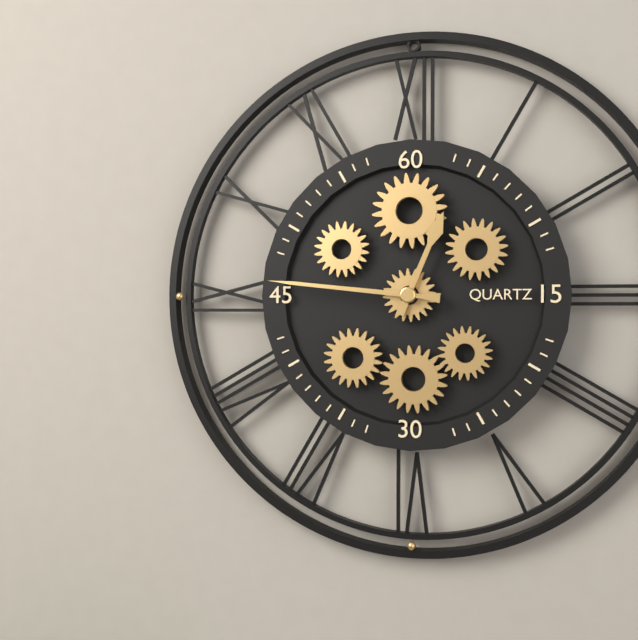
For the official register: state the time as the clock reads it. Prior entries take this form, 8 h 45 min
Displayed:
12 h 46 min
